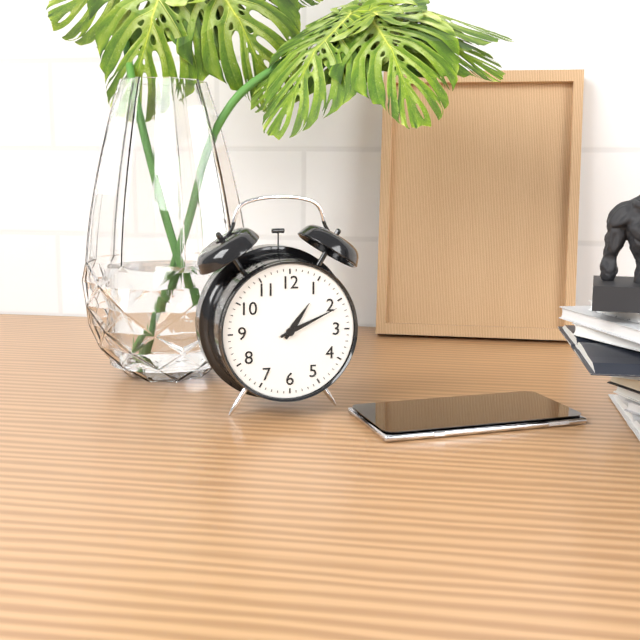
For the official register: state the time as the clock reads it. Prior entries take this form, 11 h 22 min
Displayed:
1 h 11 min
